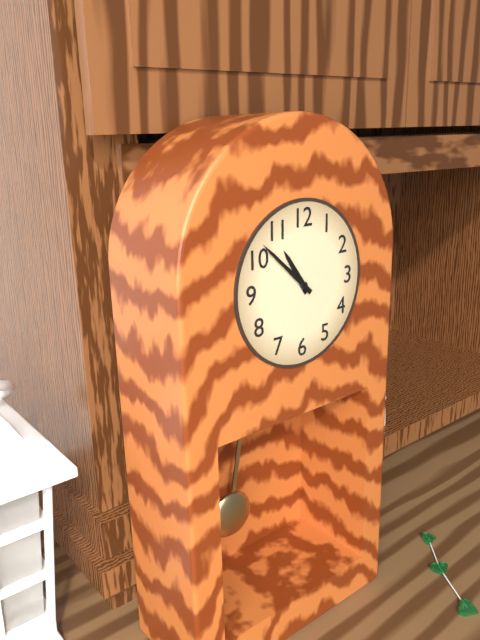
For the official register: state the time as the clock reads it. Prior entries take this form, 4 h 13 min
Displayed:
10 h 52 min
